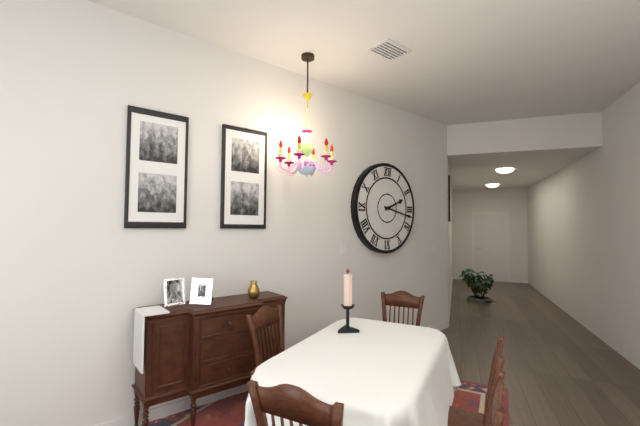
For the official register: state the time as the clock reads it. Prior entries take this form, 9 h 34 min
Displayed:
2 h 17 min
